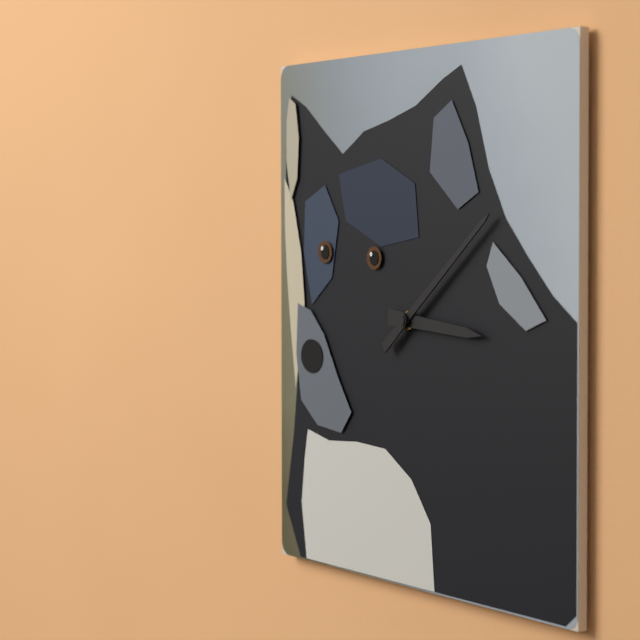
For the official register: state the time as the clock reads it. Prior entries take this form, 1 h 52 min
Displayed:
3 h 09 min
